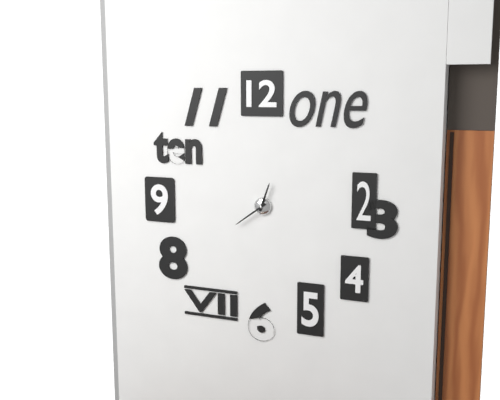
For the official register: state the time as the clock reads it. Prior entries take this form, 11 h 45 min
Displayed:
12 h 39 min
